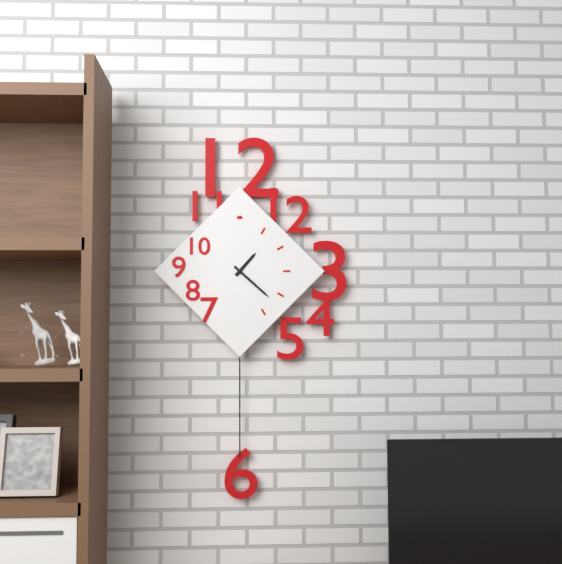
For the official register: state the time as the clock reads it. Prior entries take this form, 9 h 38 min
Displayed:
1 h 22 min
